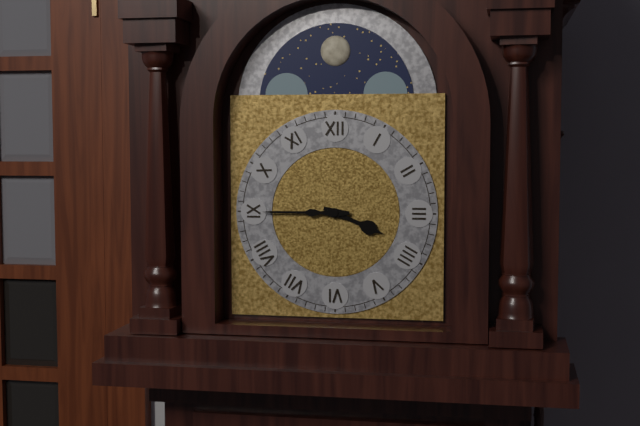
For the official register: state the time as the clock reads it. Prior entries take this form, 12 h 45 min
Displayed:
3 h 45 min
